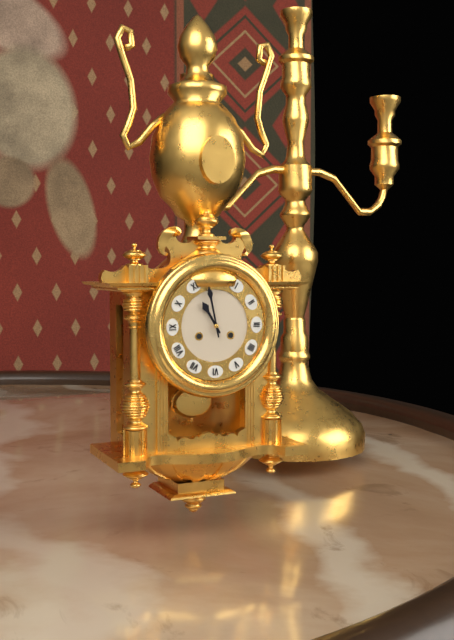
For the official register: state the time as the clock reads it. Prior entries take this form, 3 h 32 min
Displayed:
10 h 58 min
